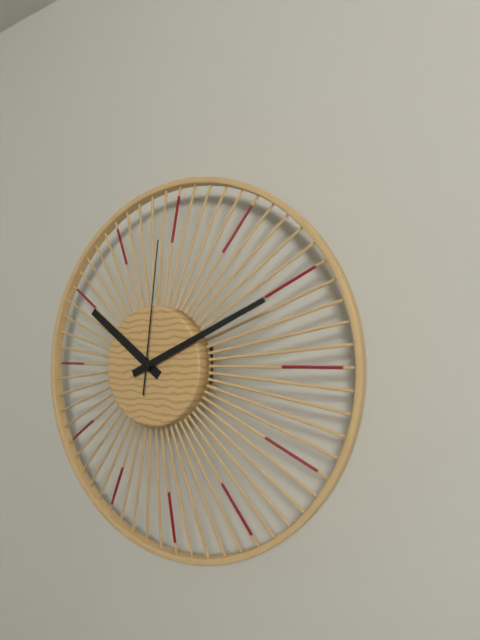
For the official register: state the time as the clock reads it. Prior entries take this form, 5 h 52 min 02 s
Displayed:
10 h 11 min 01 s
